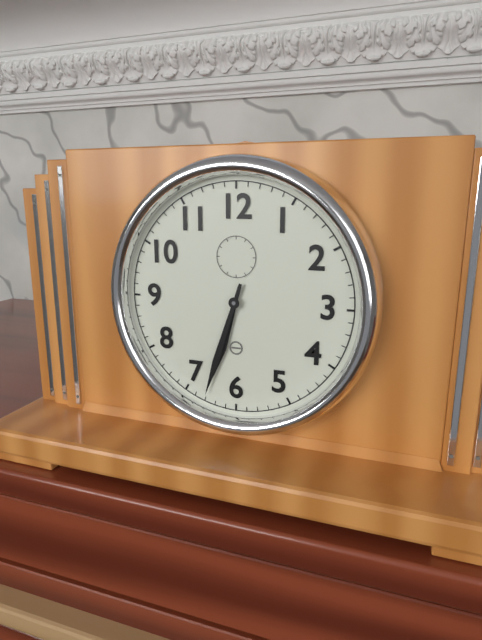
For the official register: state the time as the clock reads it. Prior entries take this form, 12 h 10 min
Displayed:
6 h 33 min
